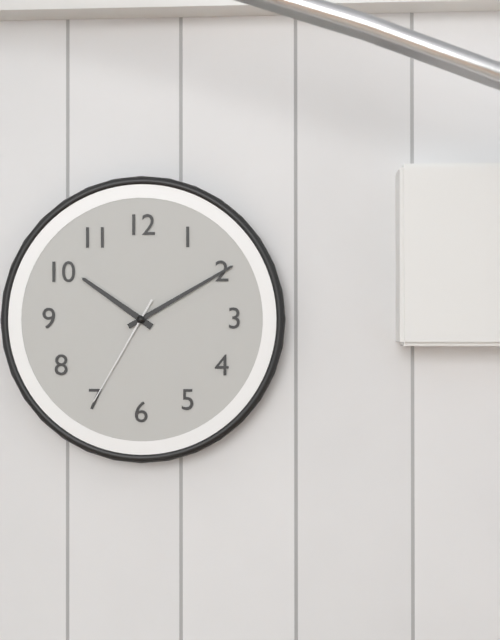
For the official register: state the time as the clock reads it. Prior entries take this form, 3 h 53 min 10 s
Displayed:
10 h 10 min 35 s
